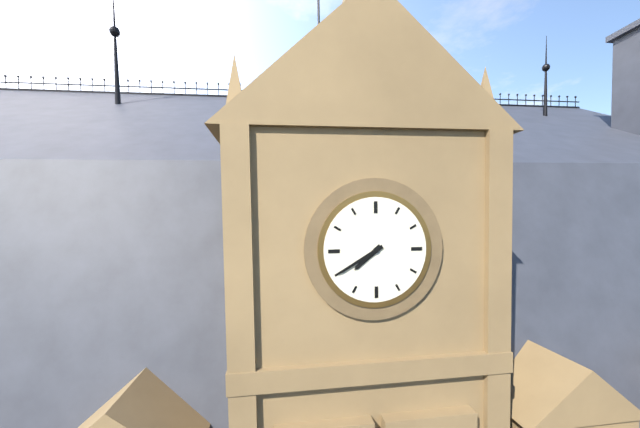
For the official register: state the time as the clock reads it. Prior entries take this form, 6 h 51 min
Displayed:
7 h 40 min
